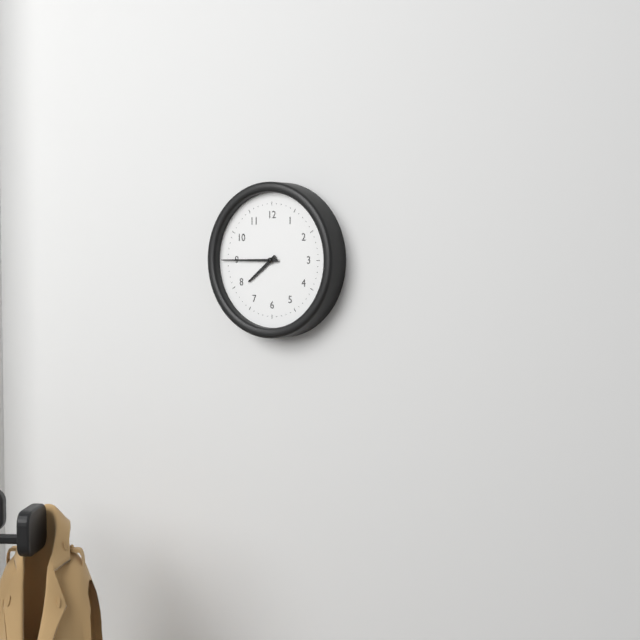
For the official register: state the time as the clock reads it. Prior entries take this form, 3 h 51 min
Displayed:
7 h 45 min
